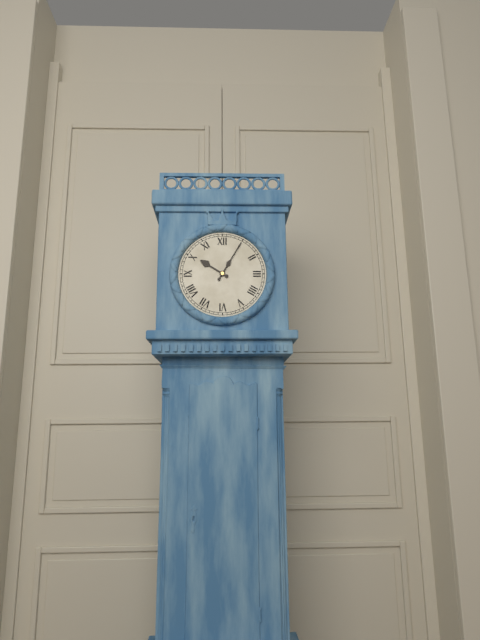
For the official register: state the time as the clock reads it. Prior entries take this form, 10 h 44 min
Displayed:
10 h 05 min
